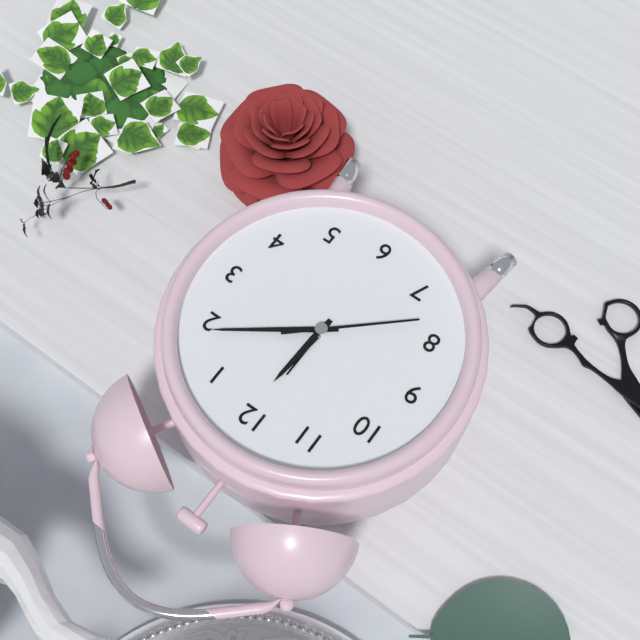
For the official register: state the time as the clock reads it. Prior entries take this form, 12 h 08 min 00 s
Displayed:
12 h 09 min 38 s
